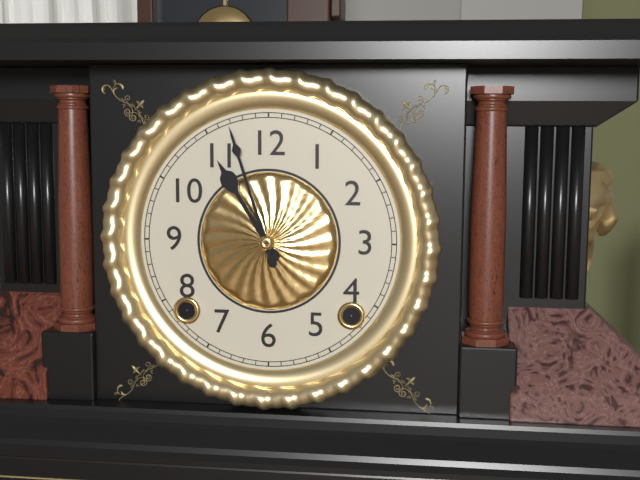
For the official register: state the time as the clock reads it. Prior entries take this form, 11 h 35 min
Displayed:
10 h 57 min
